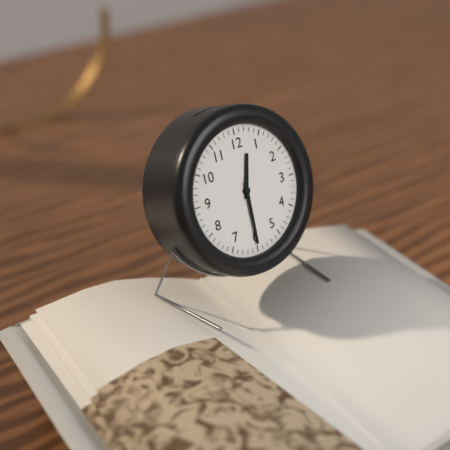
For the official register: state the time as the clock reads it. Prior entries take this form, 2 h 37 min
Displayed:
12 h 30 min
